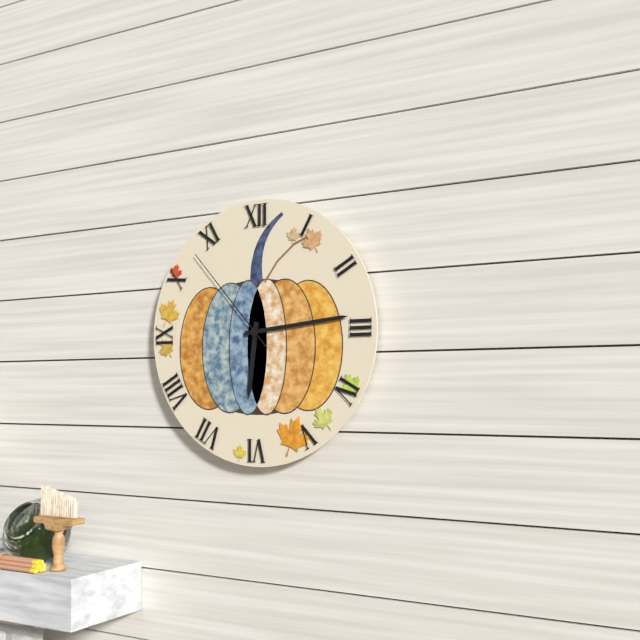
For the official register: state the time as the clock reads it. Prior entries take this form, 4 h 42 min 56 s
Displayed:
6 h 14 min 53 s
